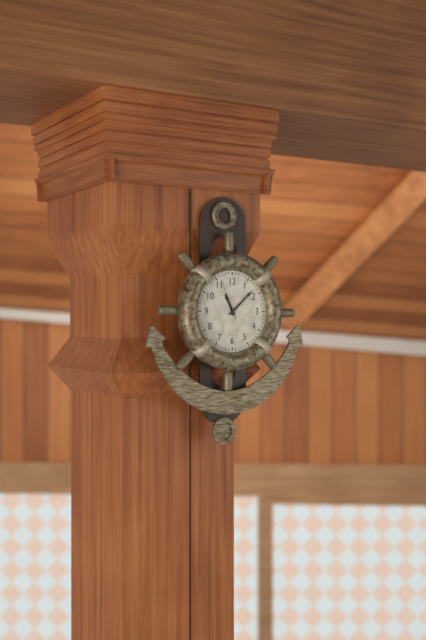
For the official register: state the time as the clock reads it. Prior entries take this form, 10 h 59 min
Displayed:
11 h 08 min
